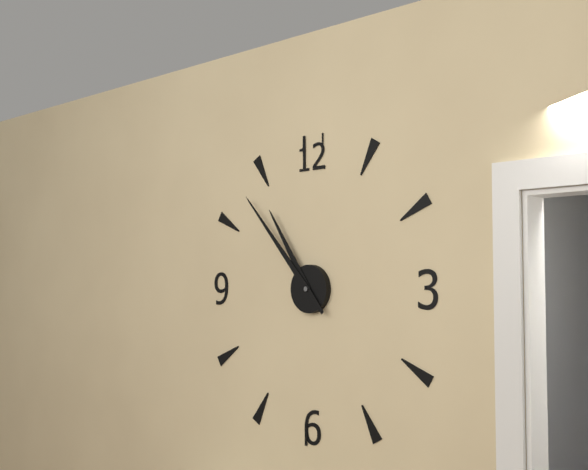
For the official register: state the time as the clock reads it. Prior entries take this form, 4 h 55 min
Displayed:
10 h 53 min
